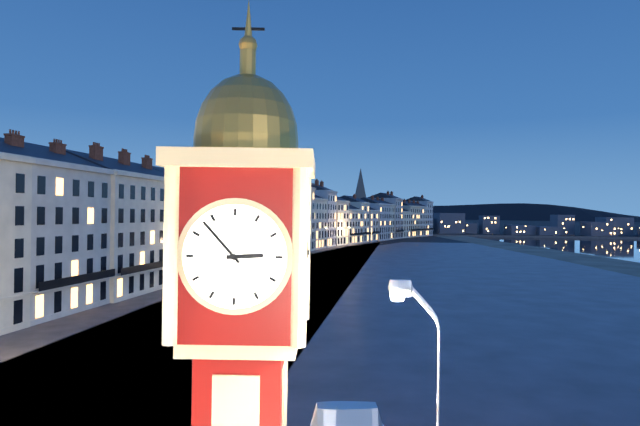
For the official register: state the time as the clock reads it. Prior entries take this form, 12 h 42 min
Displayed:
2 h 53 min
